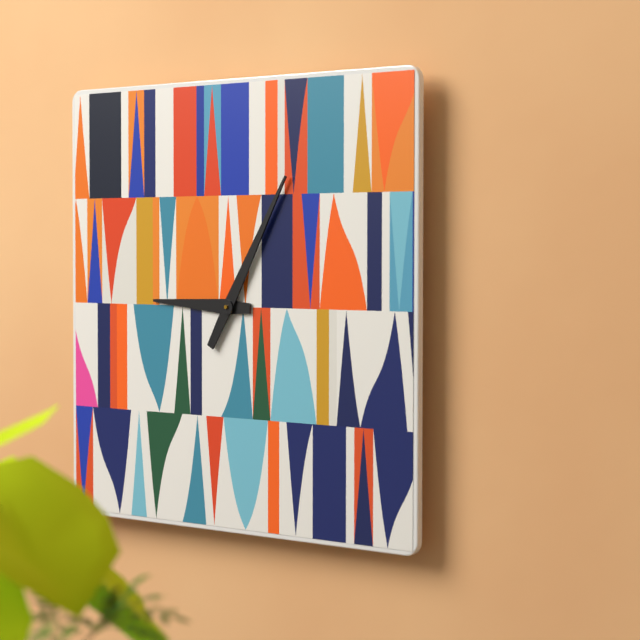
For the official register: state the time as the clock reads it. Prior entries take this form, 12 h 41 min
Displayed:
9 h 05 min
